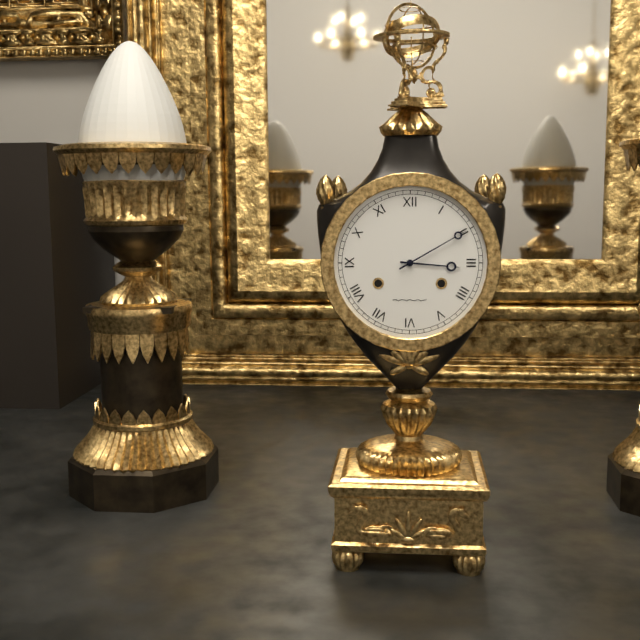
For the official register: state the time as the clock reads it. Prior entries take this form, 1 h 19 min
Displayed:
3 h 10 min
